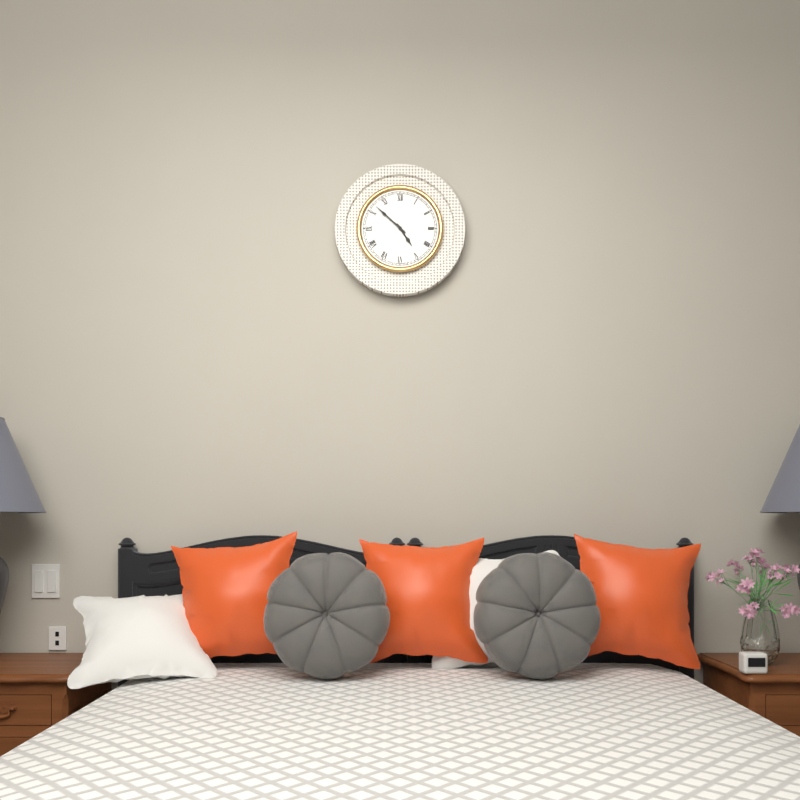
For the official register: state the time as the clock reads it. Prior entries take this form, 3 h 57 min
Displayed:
4 h 52 min
